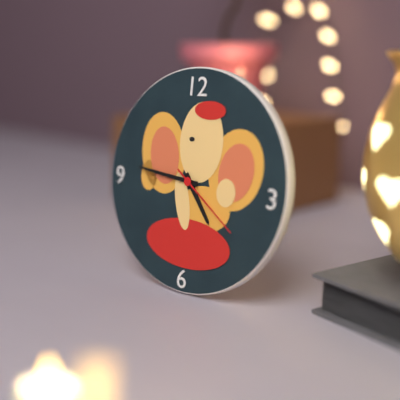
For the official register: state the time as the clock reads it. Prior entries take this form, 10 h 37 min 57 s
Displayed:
4 h 46 min 21 s
